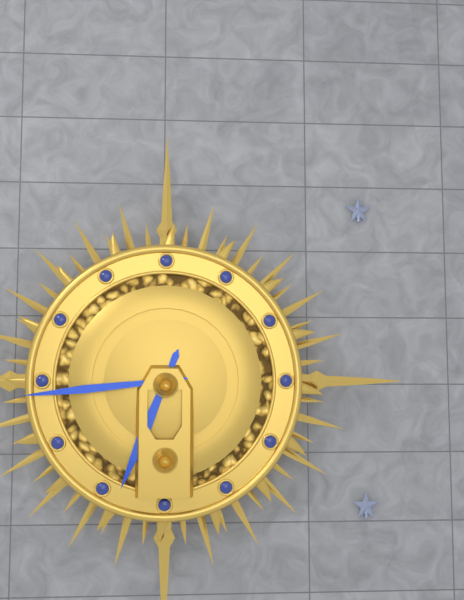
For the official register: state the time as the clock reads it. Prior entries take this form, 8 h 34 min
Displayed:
6 h 44 min
